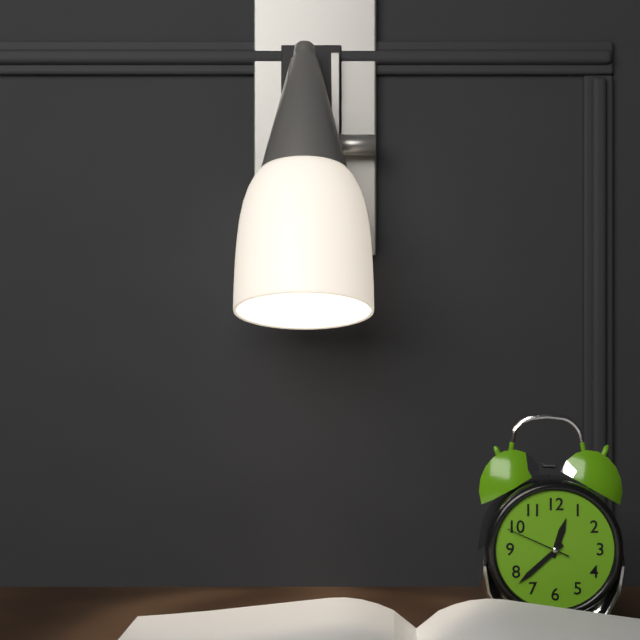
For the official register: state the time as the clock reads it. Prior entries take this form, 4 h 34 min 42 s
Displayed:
12 h 38 min 49 s
